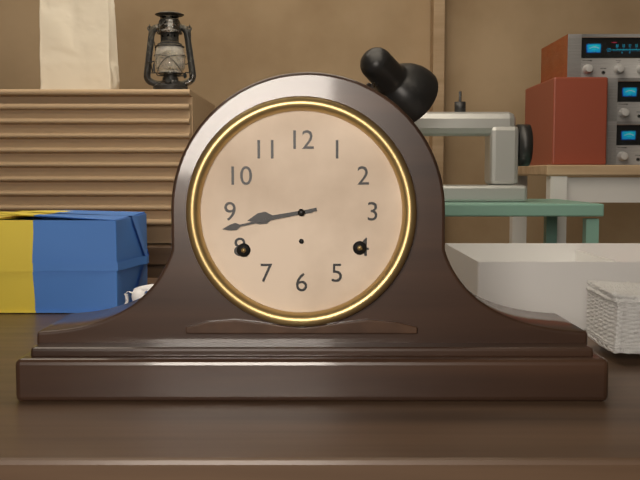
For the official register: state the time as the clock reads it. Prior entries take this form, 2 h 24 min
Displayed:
8 h 43 min
